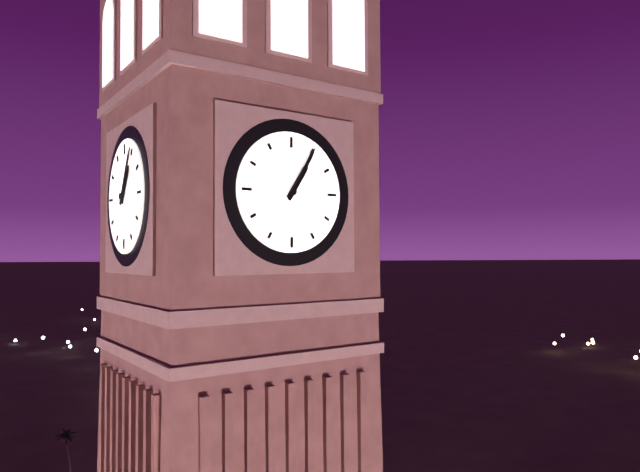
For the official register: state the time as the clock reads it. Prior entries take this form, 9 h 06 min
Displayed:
1 h 05 min
